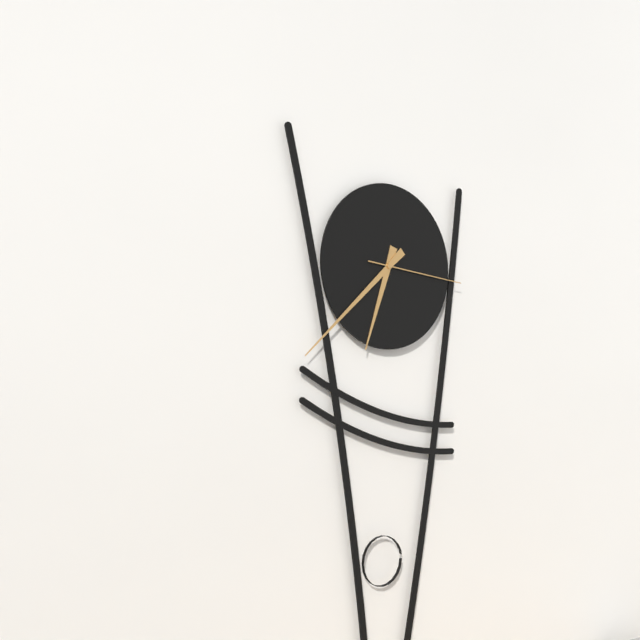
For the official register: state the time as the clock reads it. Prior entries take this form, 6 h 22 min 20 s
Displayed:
6 h 38 min 16 s
